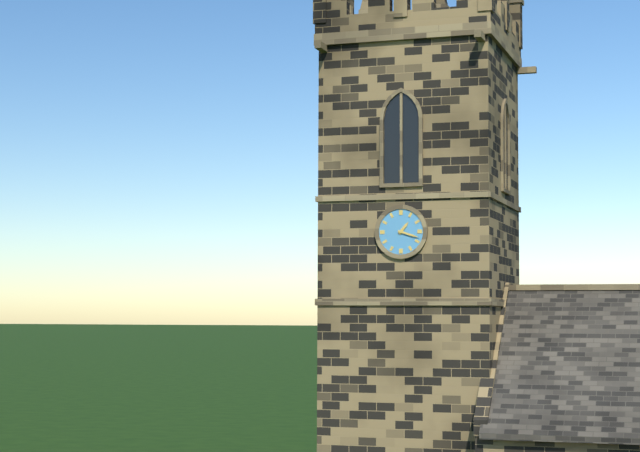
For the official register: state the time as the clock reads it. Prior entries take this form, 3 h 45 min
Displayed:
1 h 18 min
